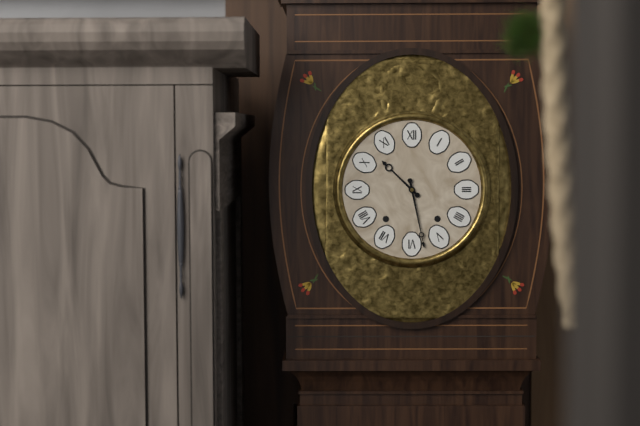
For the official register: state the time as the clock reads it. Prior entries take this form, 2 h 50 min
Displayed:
10 h 28 min
